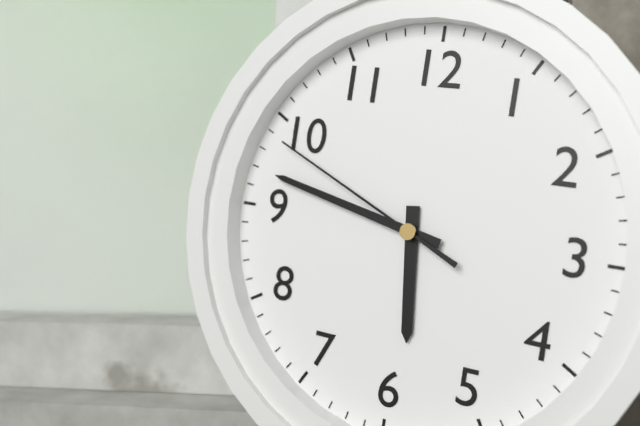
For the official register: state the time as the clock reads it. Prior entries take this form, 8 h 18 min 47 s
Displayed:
5 h 47 min 49 s
